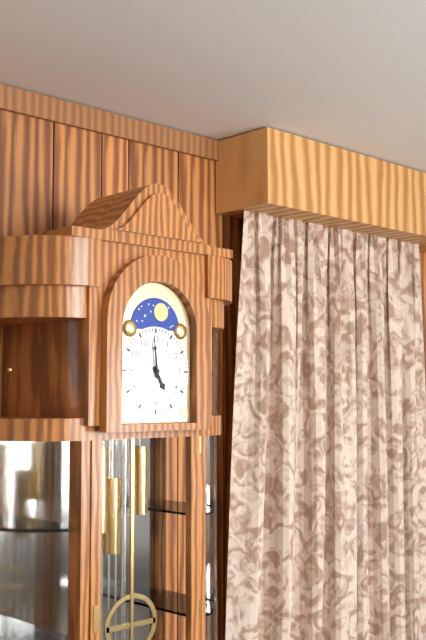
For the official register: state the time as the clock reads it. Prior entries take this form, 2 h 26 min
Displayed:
4 h 59 min
